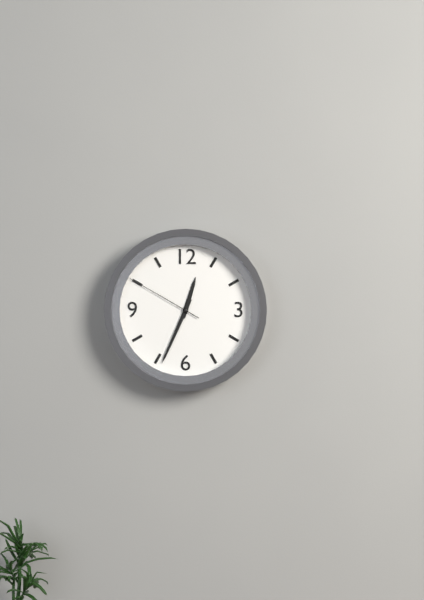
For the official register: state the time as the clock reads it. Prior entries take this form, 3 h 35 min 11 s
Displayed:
12 h 34 min 50 s
